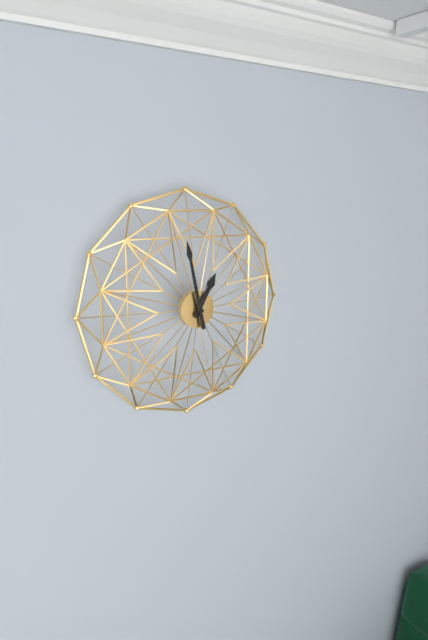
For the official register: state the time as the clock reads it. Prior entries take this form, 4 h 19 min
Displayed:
12 h 58 min
